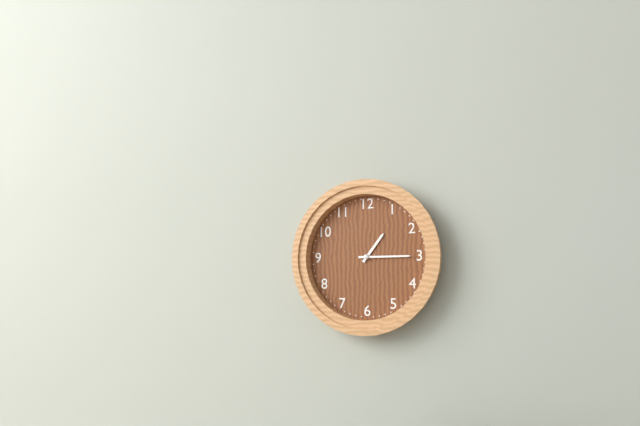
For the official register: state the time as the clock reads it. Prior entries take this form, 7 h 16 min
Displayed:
1 h 15 min
